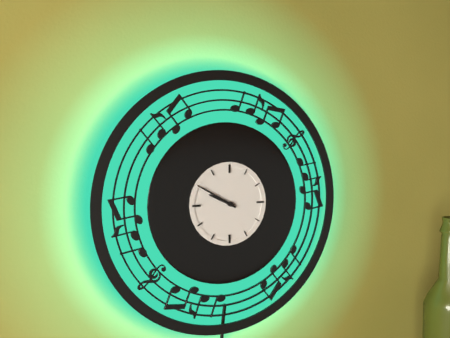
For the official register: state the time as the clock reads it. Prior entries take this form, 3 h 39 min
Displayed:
9 h 50 min
